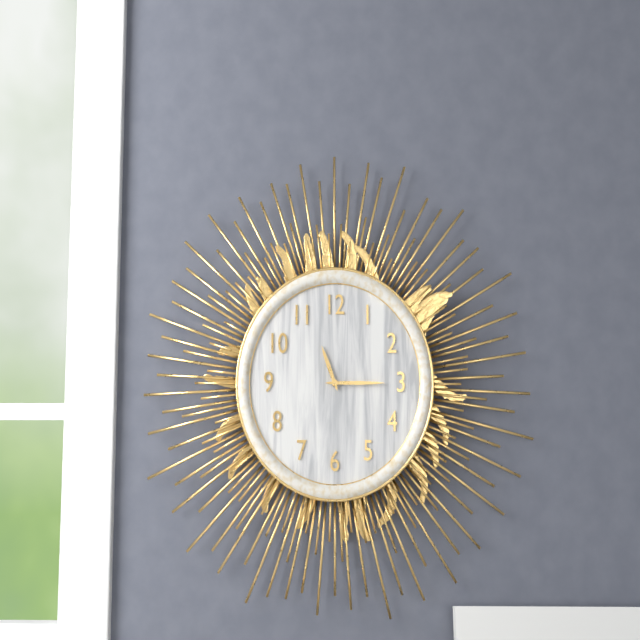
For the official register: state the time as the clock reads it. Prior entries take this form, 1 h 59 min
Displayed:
11 h 15 min
